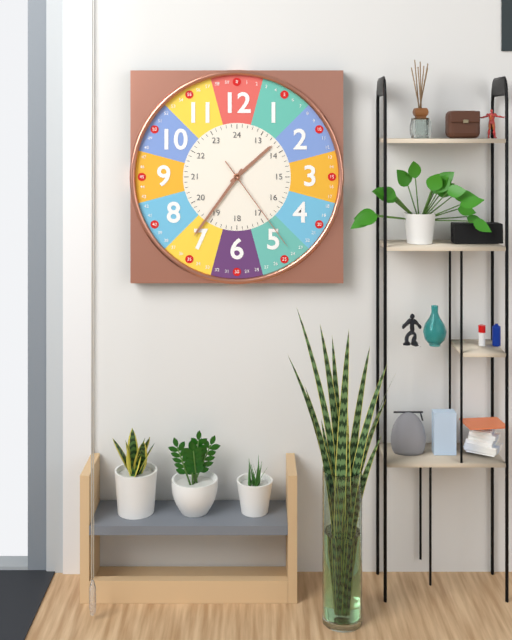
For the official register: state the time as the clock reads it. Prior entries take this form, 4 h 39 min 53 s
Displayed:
1 h 36 min 24 s
